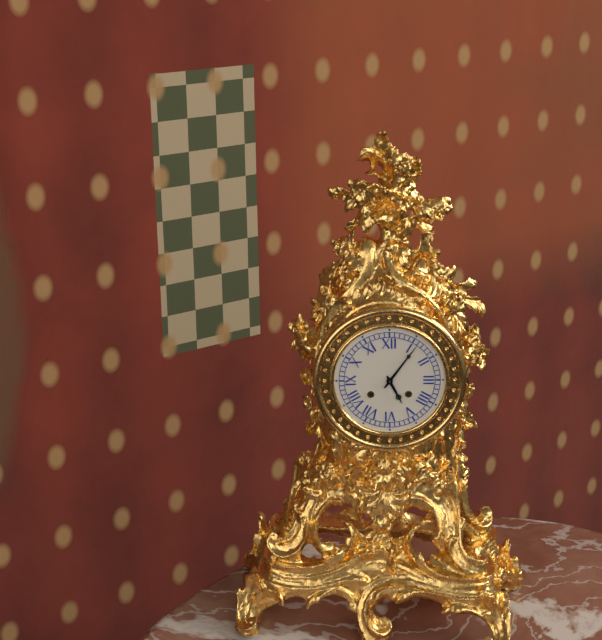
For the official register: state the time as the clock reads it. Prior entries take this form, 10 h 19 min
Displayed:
5 h 06 min
